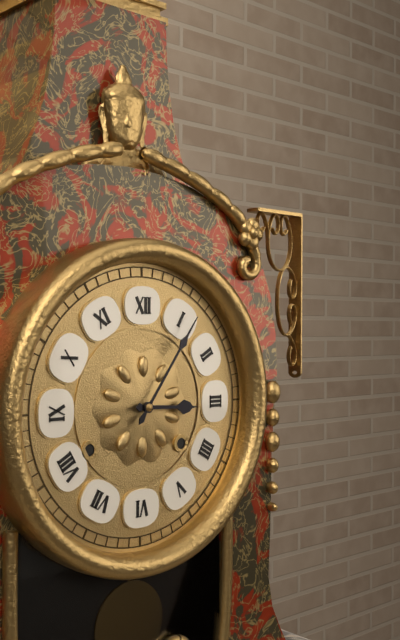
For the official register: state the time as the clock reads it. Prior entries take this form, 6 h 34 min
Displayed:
3 h 06 min
